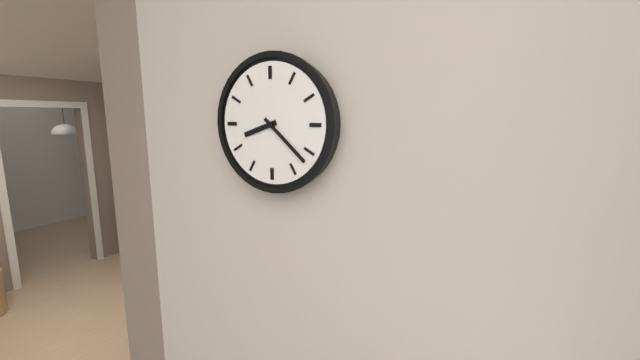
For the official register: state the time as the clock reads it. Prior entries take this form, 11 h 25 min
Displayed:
8 h 22 min
